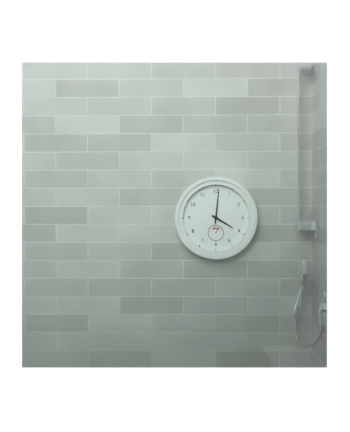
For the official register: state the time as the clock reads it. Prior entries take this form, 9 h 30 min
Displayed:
4 h 01 min
